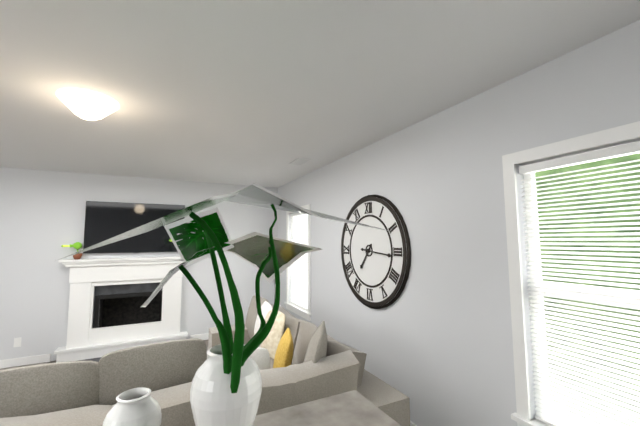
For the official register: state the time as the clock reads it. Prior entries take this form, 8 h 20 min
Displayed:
7 h 16 min
